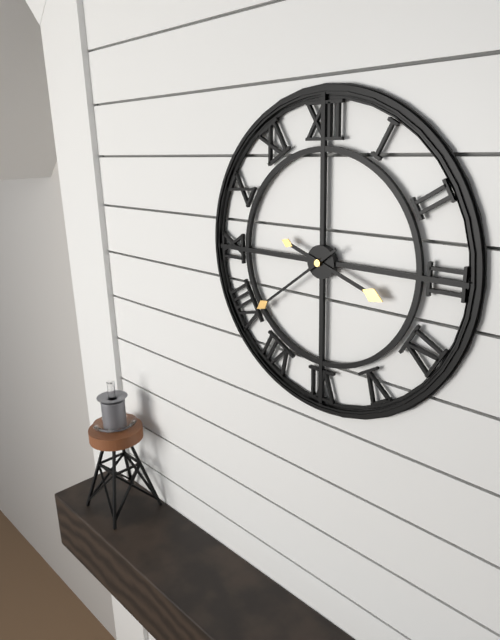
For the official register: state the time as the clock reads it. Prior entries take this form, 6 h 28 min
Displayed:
3 h 39 min
